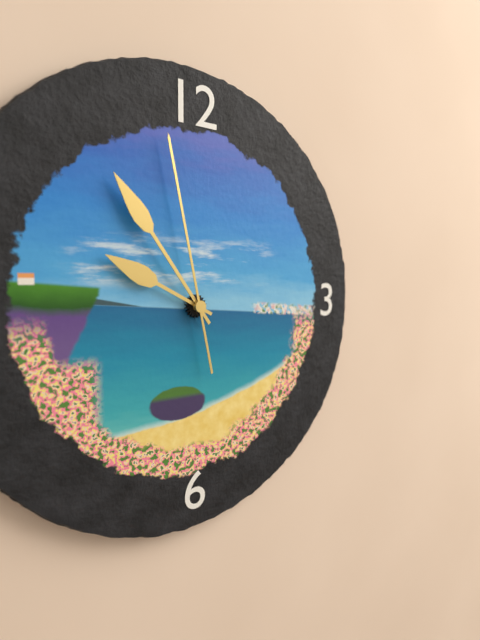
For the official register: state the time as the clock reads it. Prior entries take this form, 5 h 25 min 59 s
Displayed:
9 h 54 min 58 s
